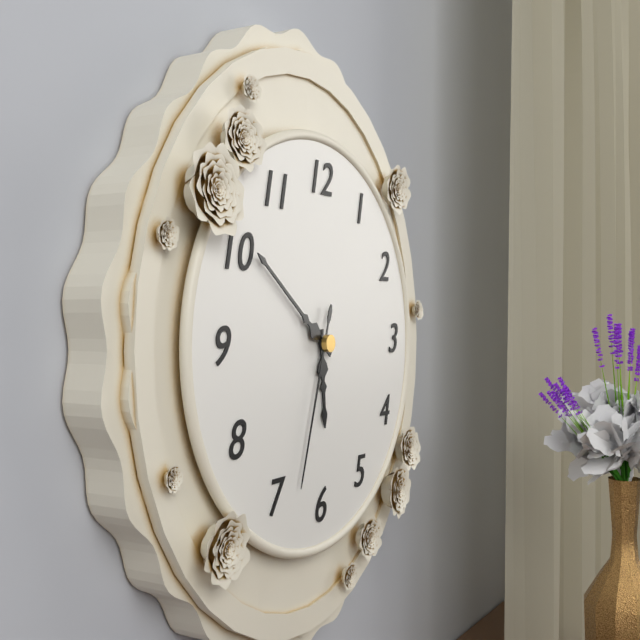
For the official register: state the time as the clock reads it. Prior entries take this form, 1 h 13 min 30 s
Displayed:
5 h 51 min 33 s
